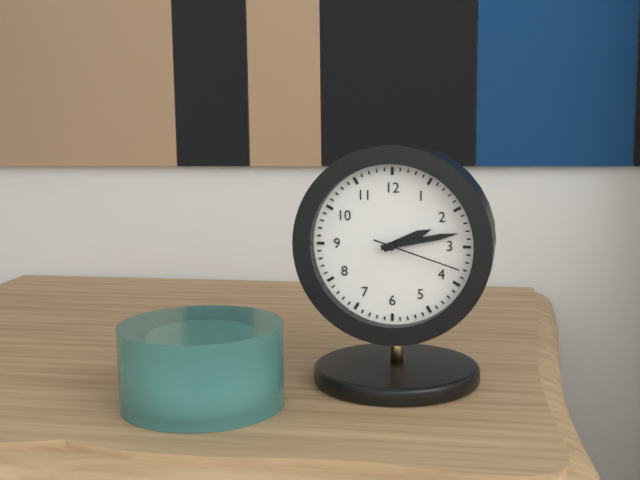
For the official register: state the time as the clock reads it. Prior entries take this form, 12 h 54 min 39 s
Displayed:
2 h 13 min 18 s
